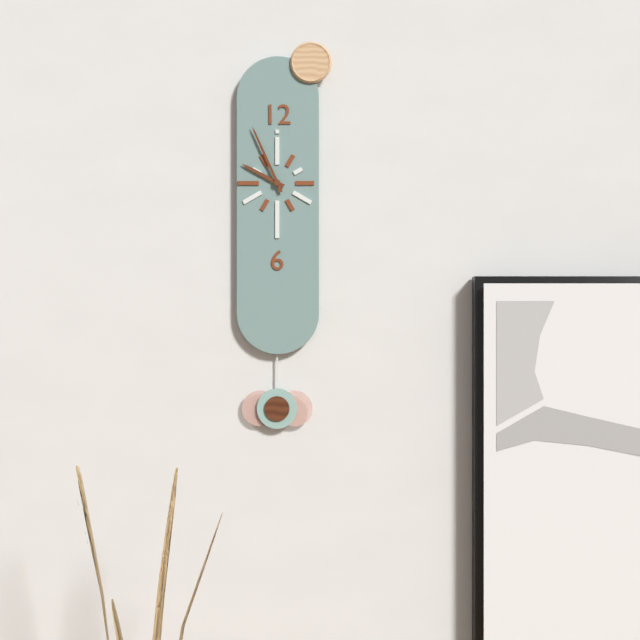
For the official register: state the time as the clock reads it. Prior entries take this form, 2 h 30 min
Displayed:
9 h 56 min
